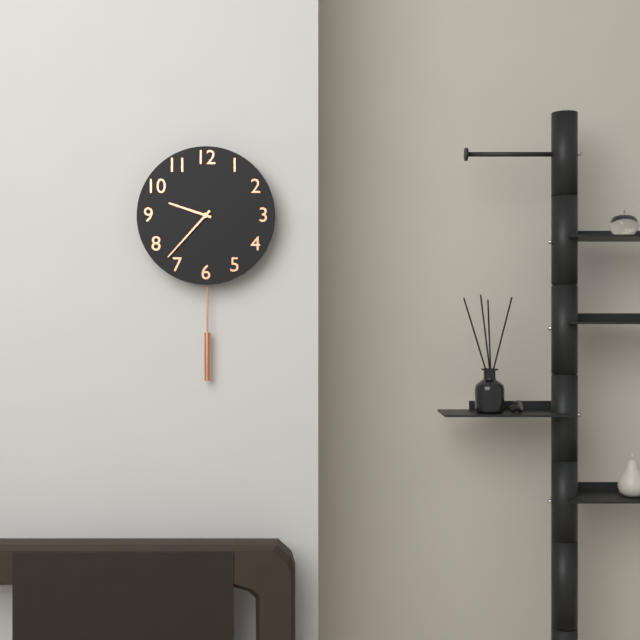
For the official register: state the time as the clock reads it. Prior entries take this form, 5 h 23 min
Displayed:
9 h 37 min
